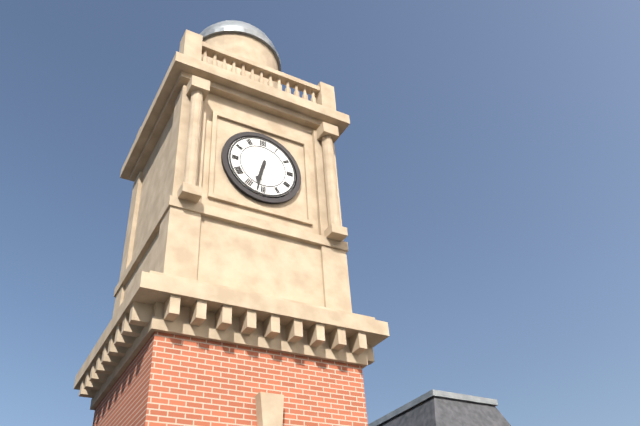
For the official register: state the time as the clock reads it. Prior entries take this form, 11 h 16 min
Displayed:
6 h 32 min
